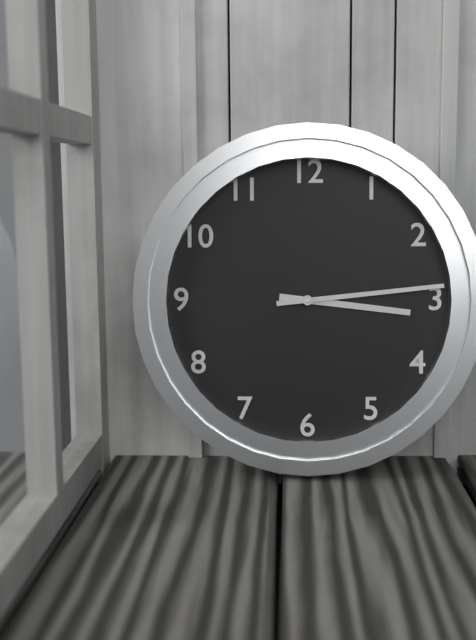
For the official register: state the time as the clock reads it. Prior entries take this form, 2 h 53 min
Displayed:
3 h 14 min
